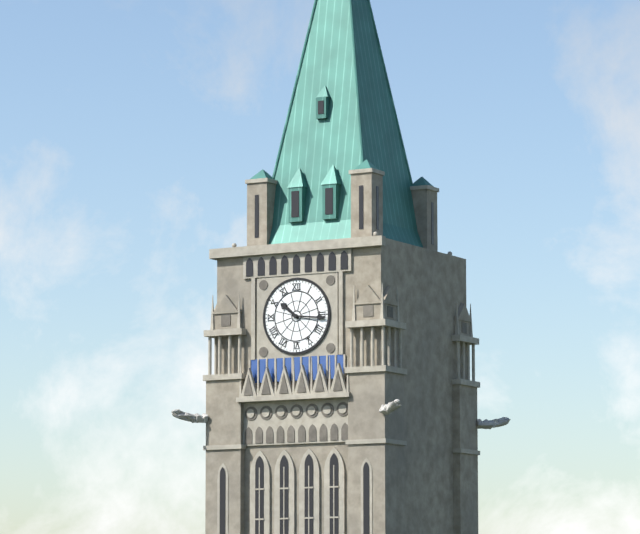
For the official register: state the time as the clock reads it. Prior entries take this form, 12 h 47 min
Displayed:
10 h 16 min
